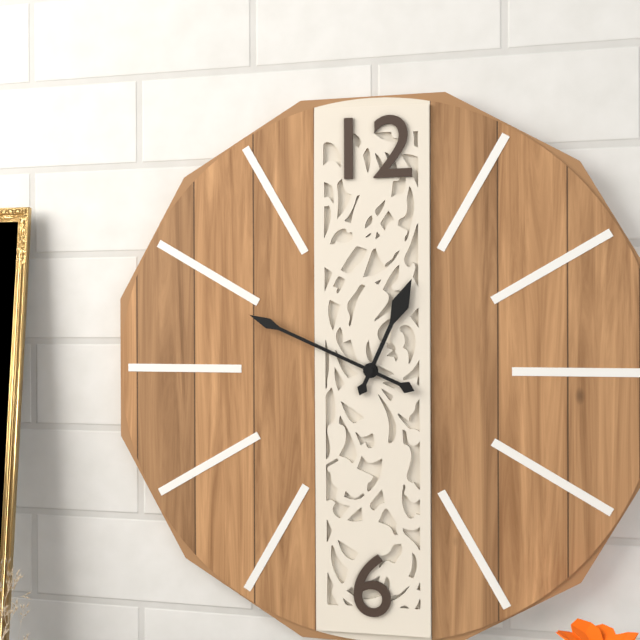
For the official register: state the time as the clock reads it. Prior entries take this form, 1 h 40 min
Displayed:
12 h 49 min
